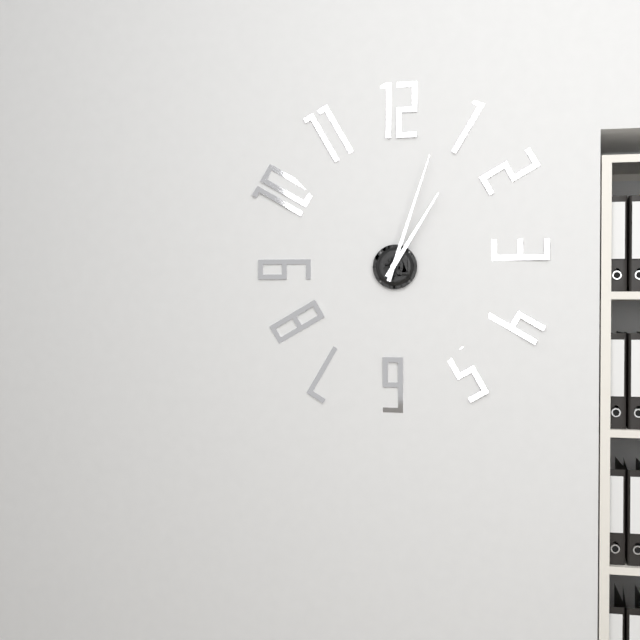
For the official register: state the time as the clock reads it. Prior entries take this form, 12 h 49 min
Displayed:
1 h 03 min
